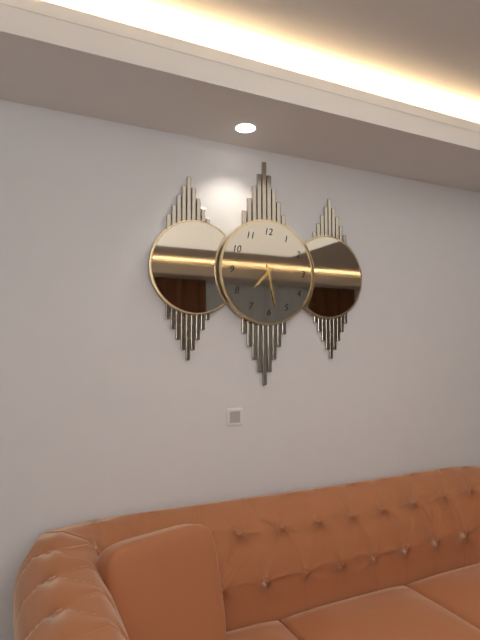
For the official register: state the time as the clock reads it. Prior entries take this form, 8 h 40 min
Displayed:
7 h 28 min
